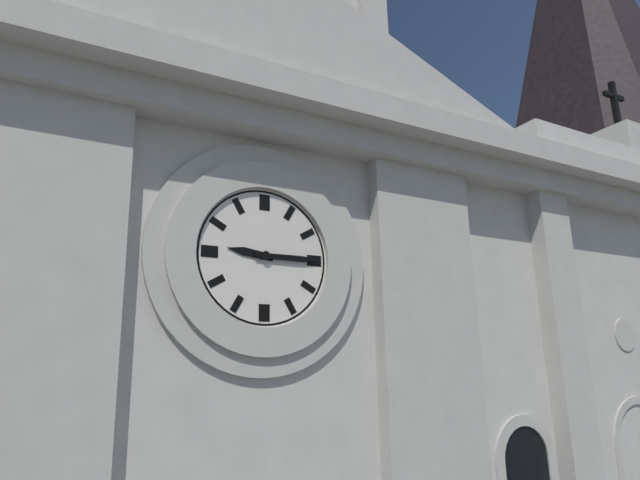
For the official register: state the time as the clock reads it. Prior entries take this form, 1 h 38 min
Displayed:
9 h 15 min
